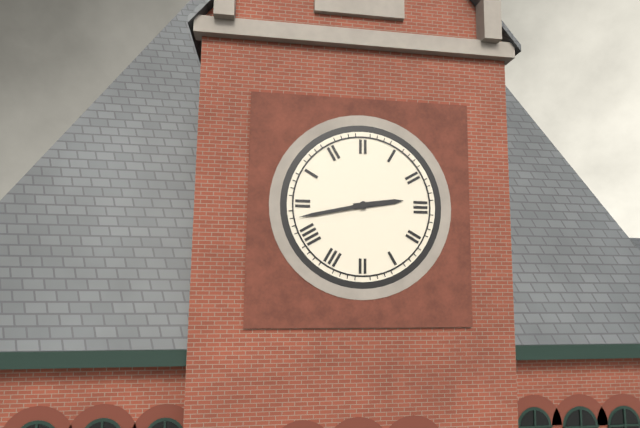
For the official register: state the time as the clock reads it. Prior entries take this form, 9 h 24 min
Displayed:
2 h 43 min
